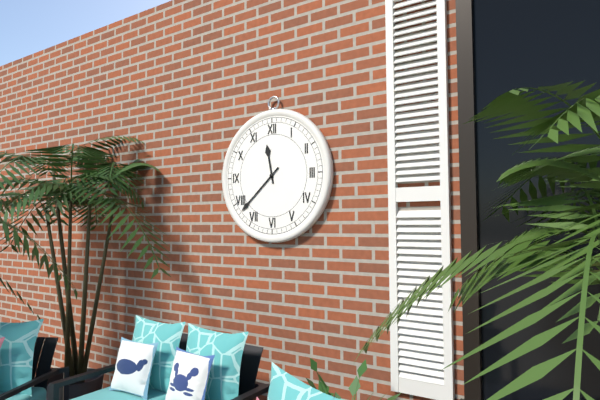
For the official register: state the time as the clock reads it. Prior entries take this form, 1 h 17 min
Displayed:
11 h 38 min
